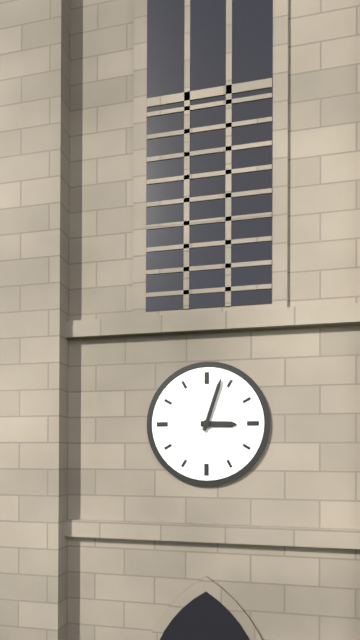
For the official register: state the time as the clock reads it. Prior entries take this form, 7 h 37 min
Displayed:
3 h 03 min
